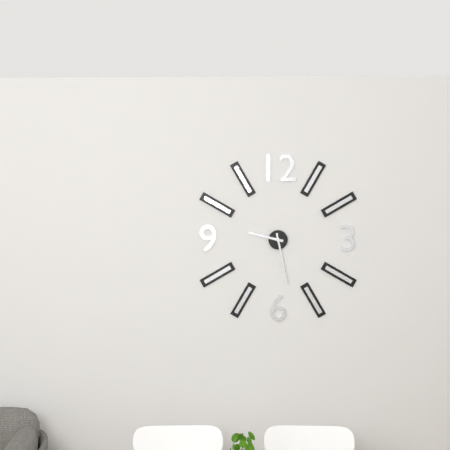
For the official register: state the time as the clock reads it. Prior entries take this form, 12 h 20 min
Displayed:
9 h 28 min
